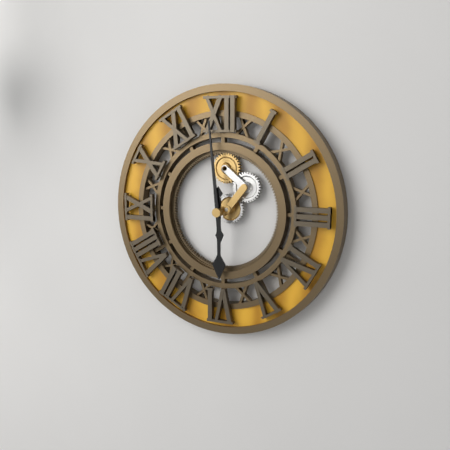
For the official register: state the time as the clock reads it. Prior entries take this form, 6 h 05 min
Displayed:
5 h 59 min
